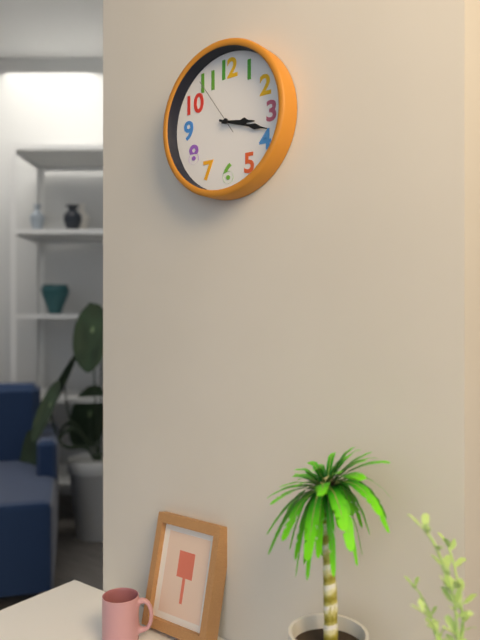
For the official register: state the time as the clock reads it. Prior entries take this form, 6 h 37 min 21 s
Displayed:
3 h 18 min 54 s
